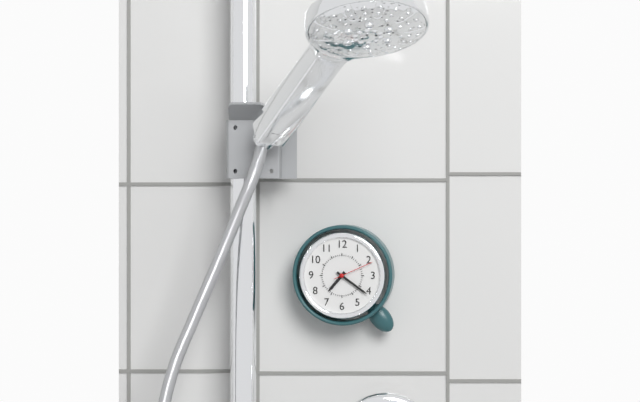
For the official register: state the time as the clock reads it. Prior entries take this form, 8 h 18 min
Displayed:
7 h 21 min
